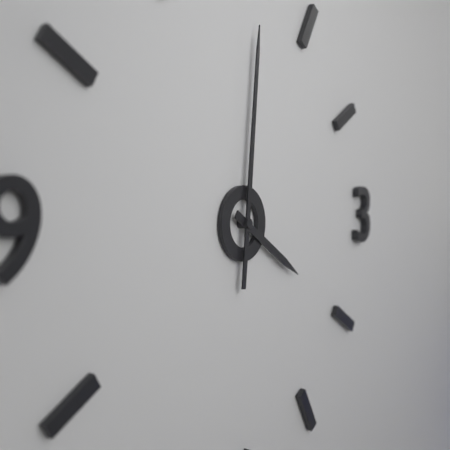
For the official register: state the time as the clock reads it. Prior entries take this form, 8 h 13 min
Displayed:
4 h 01 min
